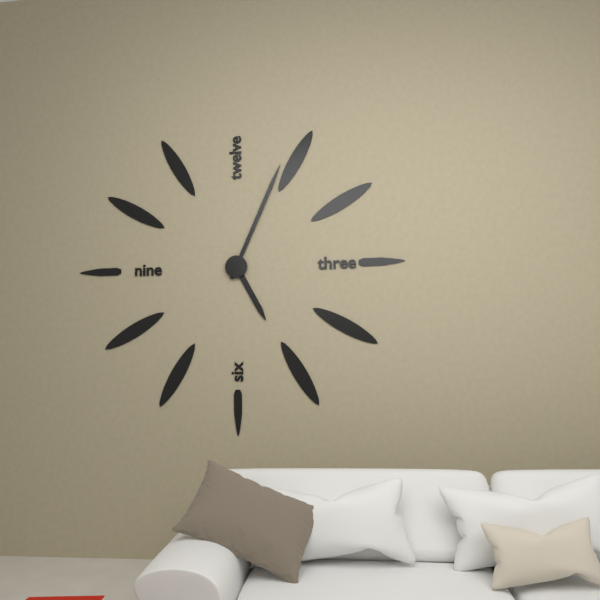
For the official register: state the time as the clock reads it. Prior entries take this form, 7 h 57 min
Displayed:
5 h 04 min
